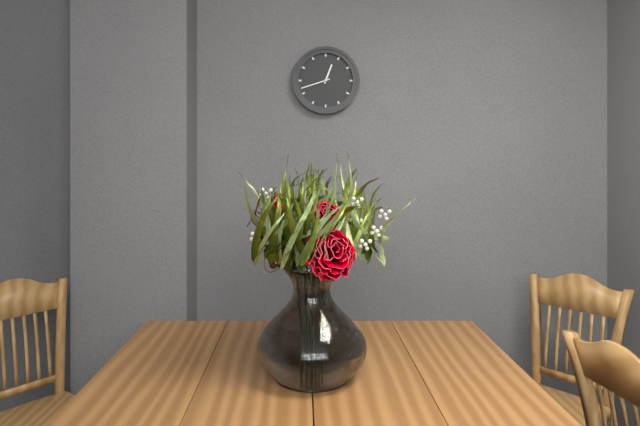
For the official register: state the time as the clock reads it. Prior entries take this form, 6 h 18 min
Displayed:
12 h 42 min
